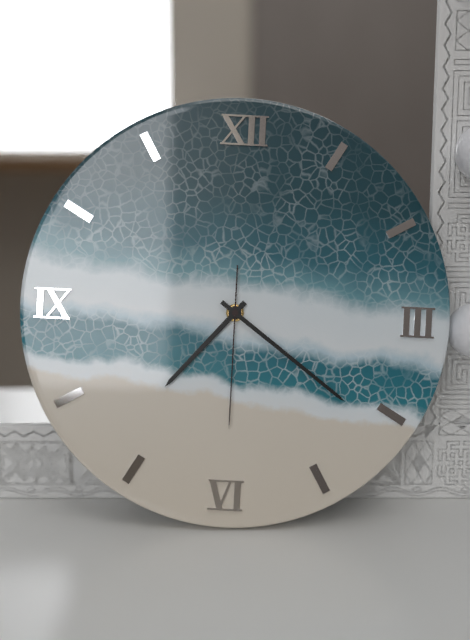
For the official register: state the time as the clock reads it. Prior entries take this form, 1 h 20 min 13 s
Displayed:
7 h 21 min 30 s
